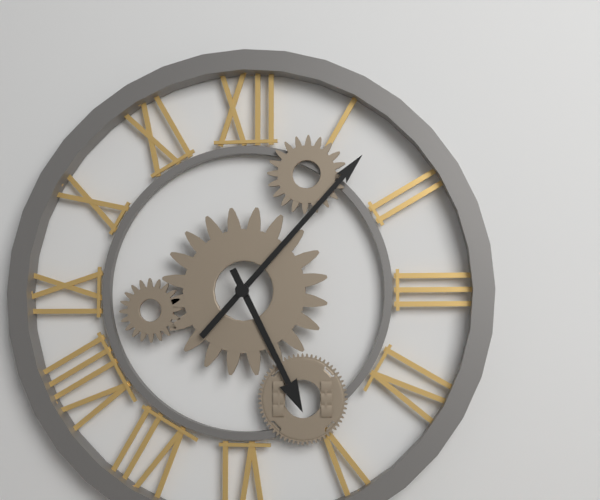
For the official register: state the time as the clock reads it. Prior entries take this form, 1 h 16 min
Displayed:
5 h 07 min
